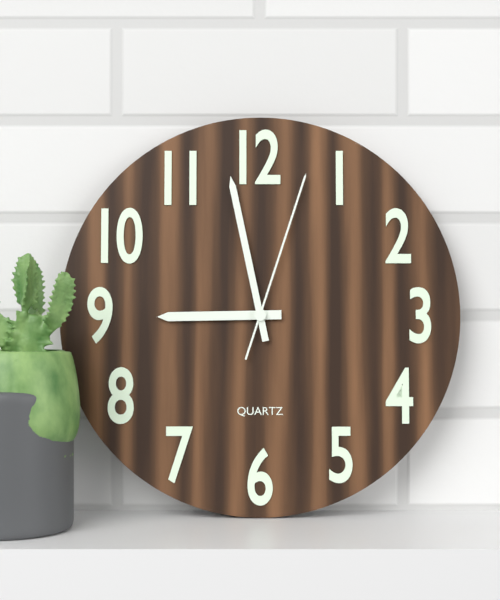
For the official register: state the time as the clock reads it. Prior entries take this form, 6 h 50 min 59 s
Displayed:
8 h 58 min 03 s
